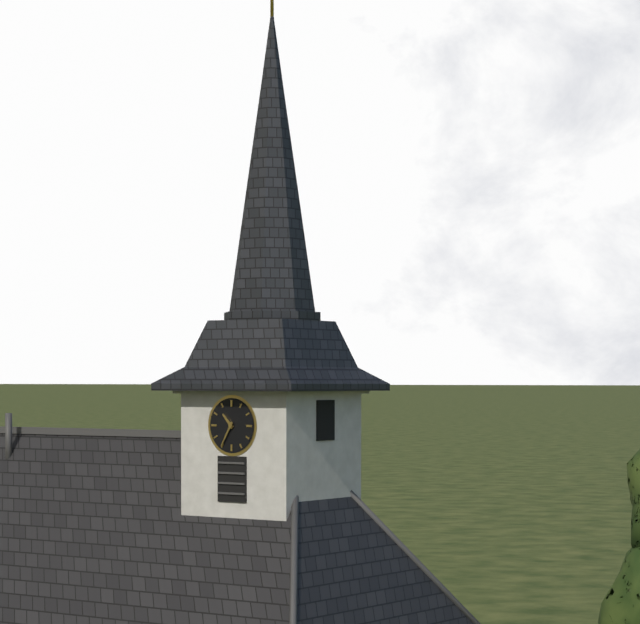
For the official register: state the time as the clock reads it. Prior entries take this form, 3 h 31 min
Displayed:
10 h 35 min
